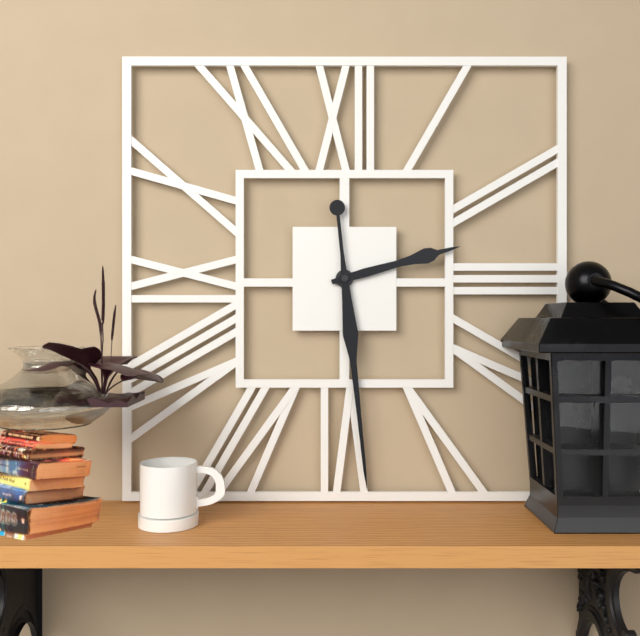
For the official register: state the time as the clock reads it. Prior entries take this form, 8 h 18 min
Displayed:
2 h 29 min
